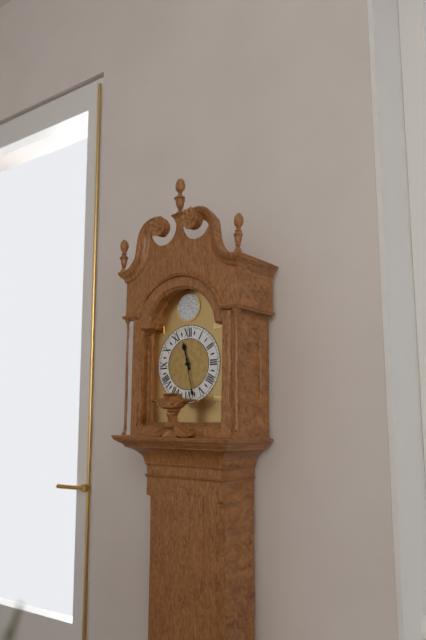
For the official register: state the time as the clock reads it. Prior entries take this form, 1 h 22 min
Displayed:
11 h 28 min
